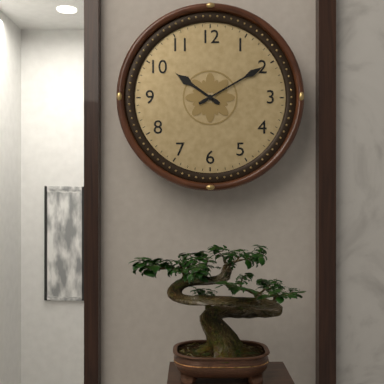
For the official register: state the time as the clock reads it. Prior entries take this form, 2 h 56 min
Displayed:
10 h 10 min
